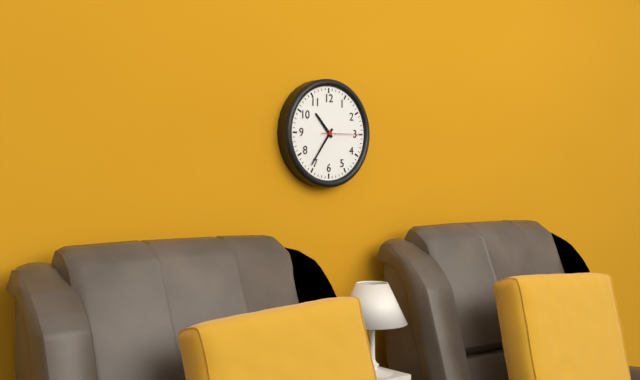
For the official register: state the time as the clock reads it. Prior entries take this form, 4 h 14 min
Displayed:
10 h 36 min
